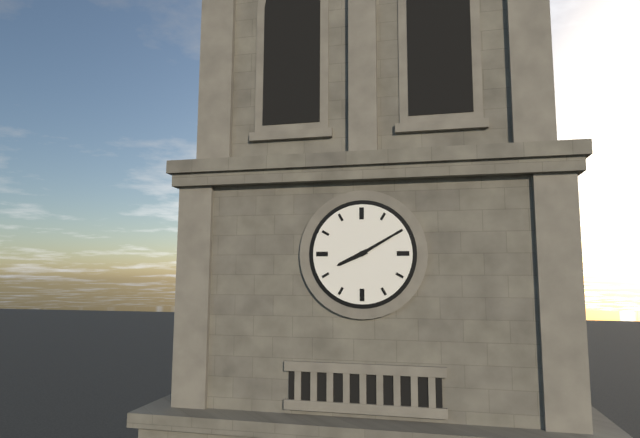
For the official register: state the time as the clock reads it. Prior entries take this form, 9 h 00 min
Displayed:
8 h 10 min
